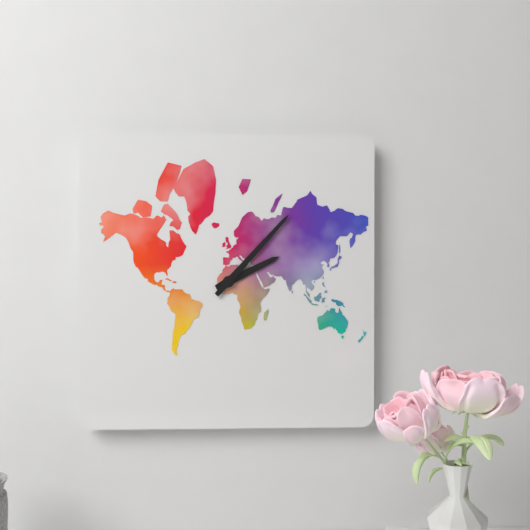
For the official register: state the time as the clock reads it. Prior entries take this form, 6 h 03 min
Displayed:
2 h 07 min
